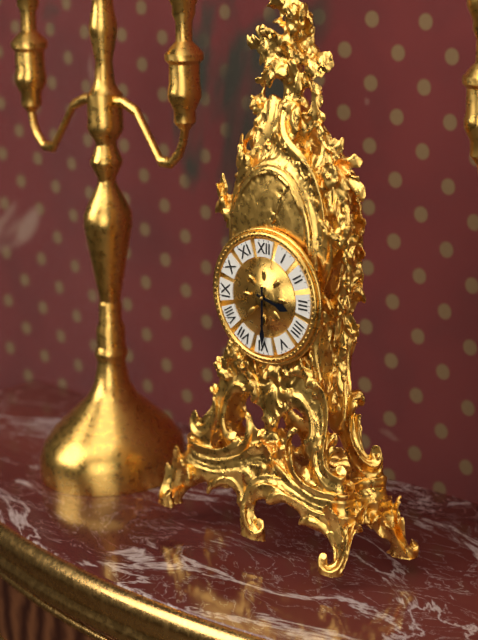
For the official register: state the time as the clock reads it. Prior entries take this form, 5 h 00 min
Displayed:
3 h 30 min
